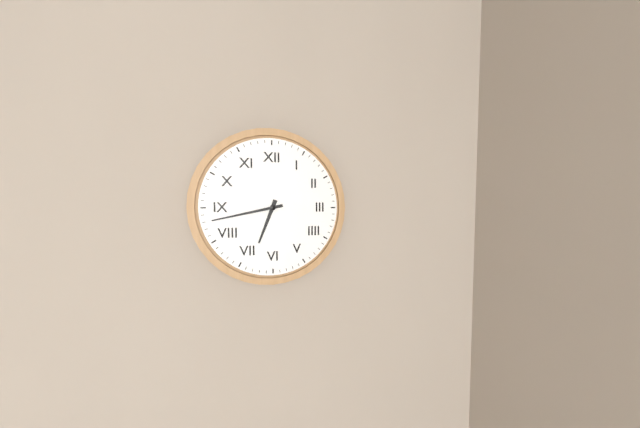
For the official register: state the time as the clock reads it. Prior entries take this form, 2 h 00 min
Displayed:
6 h 43 min
